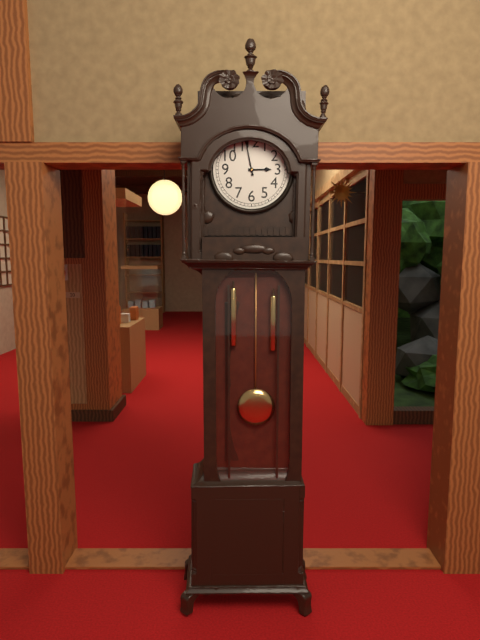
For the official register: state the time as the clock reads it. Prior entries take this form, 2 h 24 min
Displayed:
2 h 58 min
